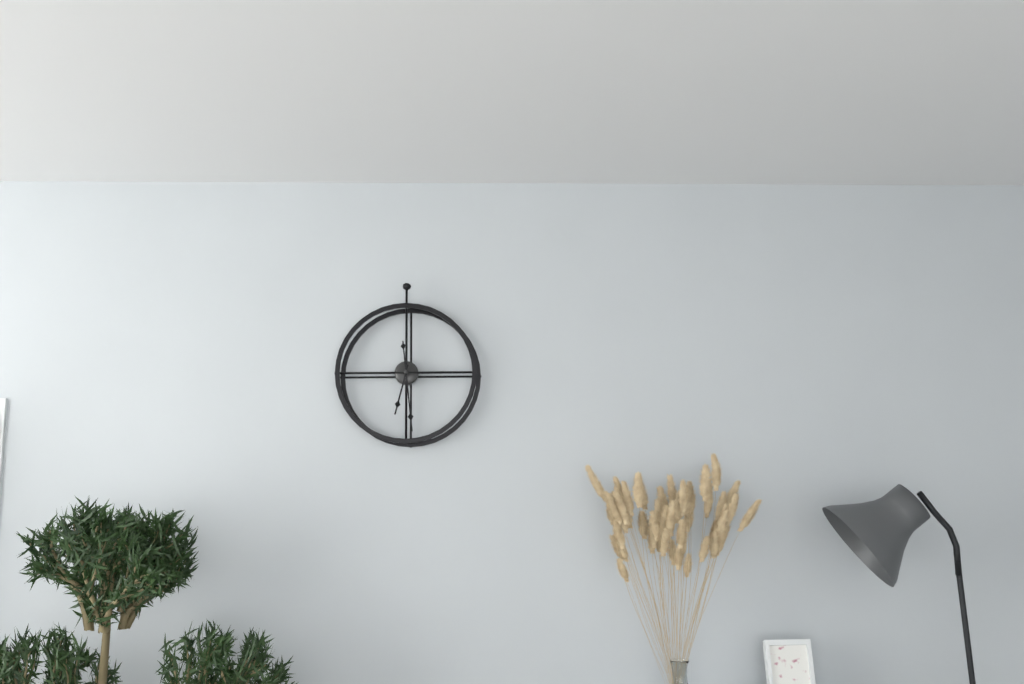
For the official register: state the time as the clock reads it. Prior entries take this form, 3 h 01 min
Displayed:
6 h 29 min
